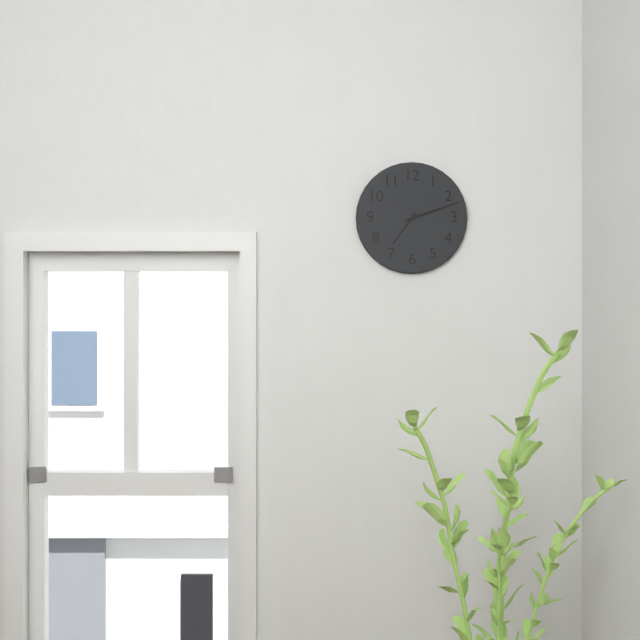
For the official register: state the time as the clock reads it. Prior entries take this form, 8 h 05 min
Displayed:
7 h 12 min
